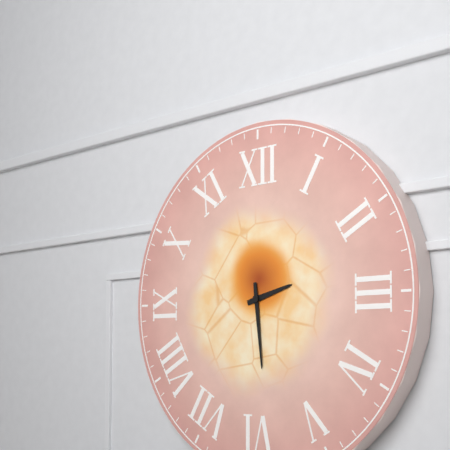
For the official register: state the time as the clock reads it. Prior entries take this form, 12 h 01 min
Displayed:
2 h 29 min
